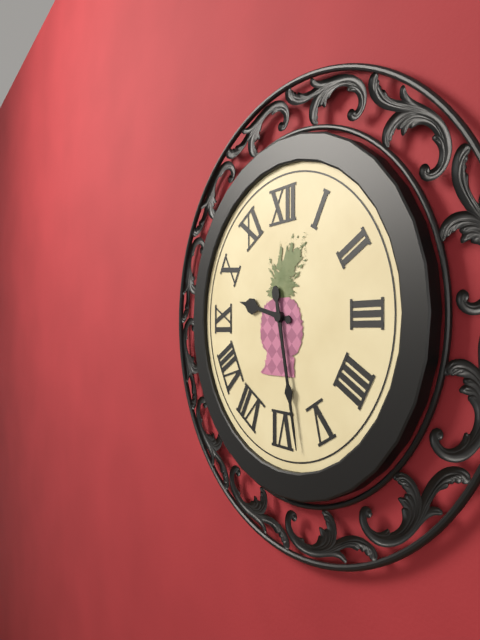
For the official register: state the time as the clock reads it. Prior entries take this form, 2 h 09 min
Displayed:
9 h 28 min
